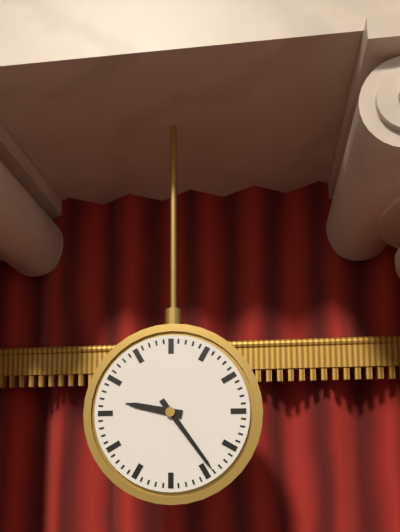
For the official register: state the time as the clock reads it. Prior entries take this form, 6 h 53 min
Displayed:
9 h 24 min
